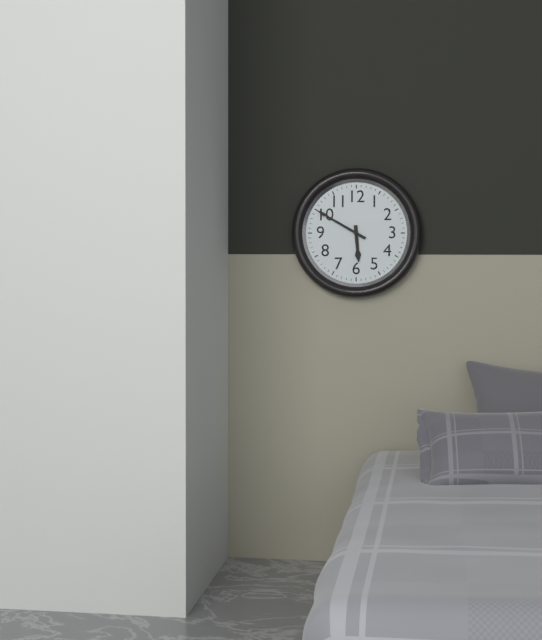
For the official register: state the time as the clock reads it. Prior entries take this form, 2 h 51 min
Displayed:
5 h 50 min
